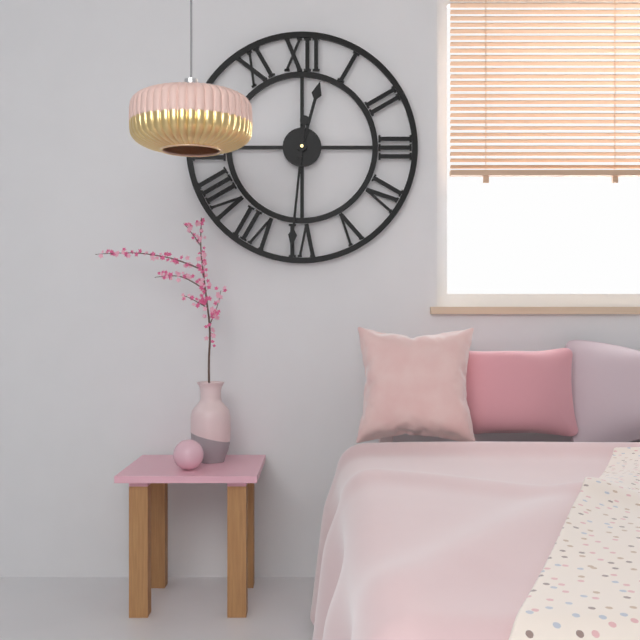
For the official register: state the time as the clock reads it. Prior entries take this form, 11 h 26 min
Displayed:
12 h 31 min
